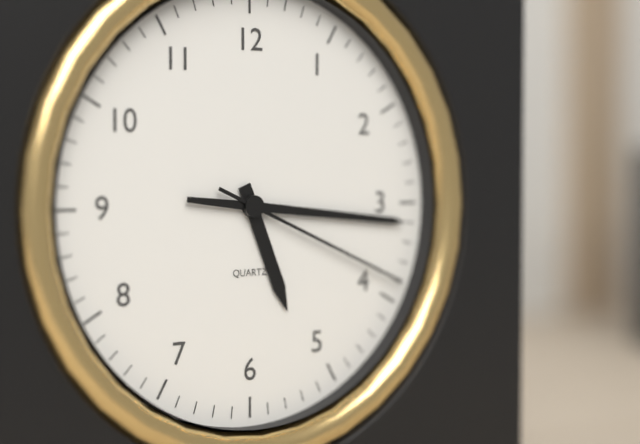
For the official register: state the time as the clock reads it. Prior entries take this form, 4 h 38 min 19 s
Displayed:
5 h 16 min 19 s
